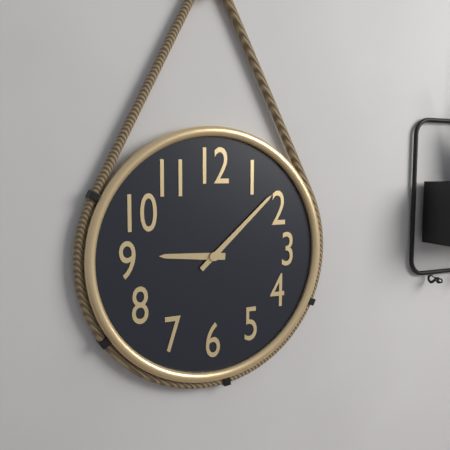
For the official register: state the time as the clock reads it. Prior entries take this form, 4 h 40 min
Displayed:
9 h 08 min
